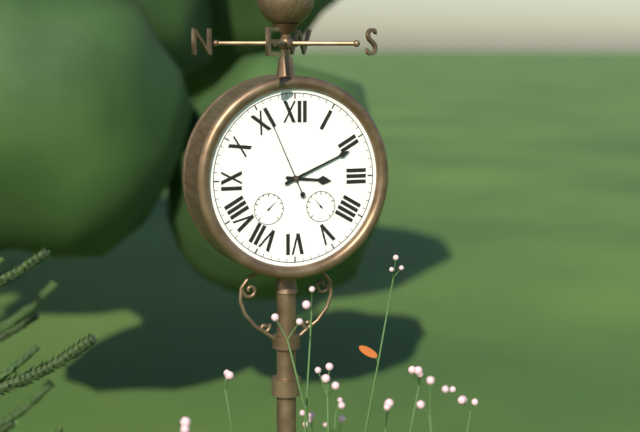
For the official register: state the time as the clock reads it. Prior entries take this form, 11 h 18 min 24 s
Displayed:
3 h 11 min 56 s
